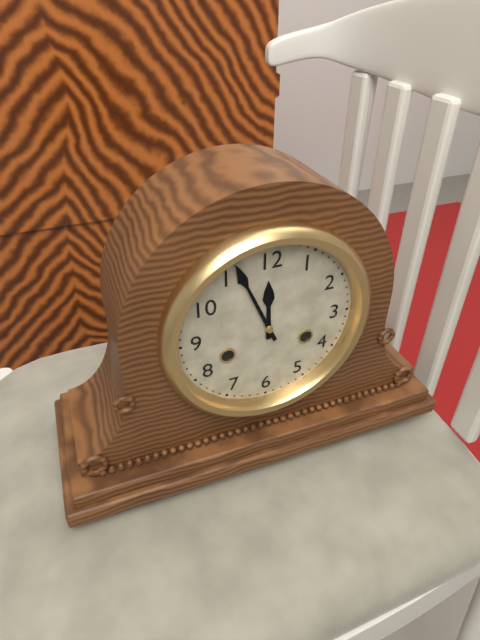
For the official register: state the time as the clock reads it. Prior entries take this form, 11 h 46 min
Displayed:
11 h 56 min
